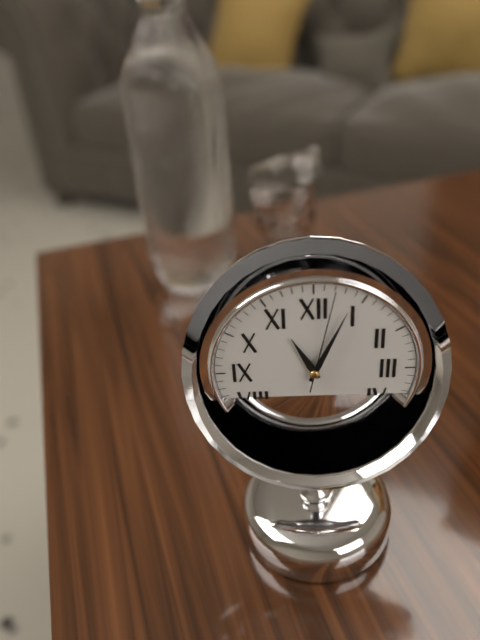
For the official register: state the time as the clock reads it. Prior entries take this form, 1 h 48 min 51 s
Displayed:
11 h 04 min 02 s
